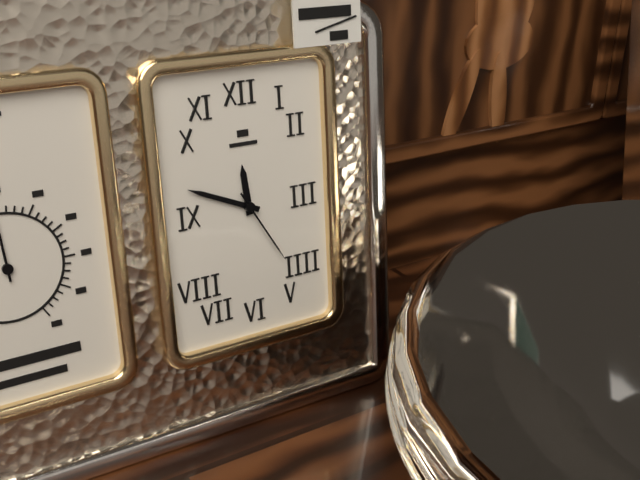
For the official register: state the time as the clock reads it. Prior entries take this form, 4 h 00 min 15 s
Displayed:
11 h 49 min 25 s
